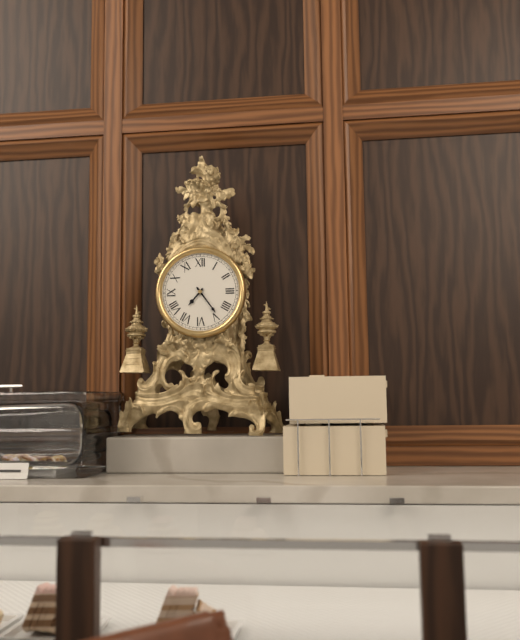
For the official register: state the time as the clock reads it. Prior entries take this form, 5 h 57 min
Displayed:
7 h 24 min
